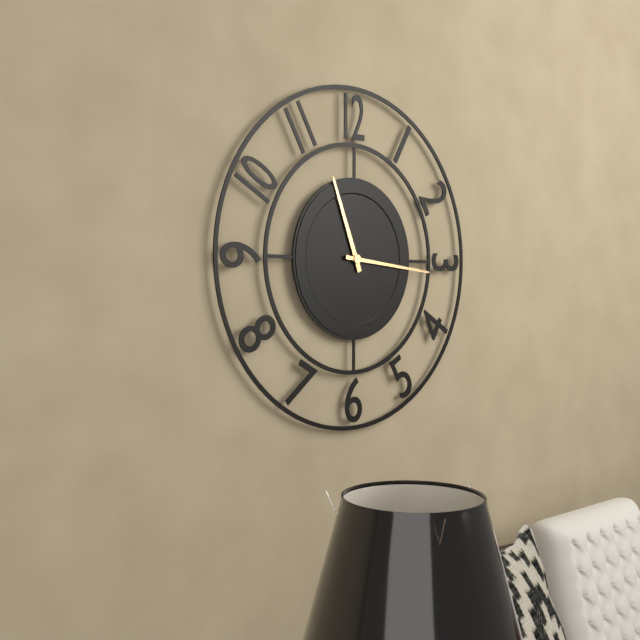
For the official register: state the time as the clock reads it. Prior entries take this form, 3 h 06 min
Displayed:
11 h 16 min
